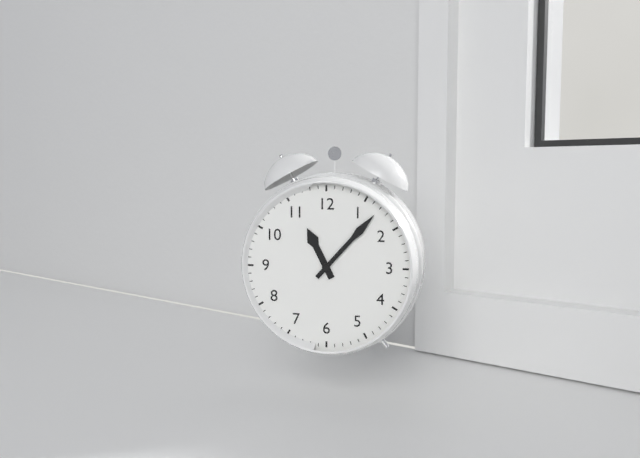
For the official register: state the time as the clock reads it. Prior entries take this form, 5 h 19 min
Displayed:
11 h 07 min
